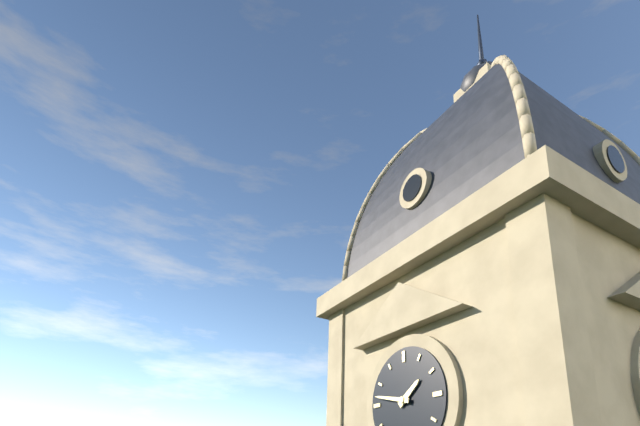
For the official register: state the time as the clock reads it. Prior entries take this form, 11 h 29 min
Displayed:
1 h 47 min
